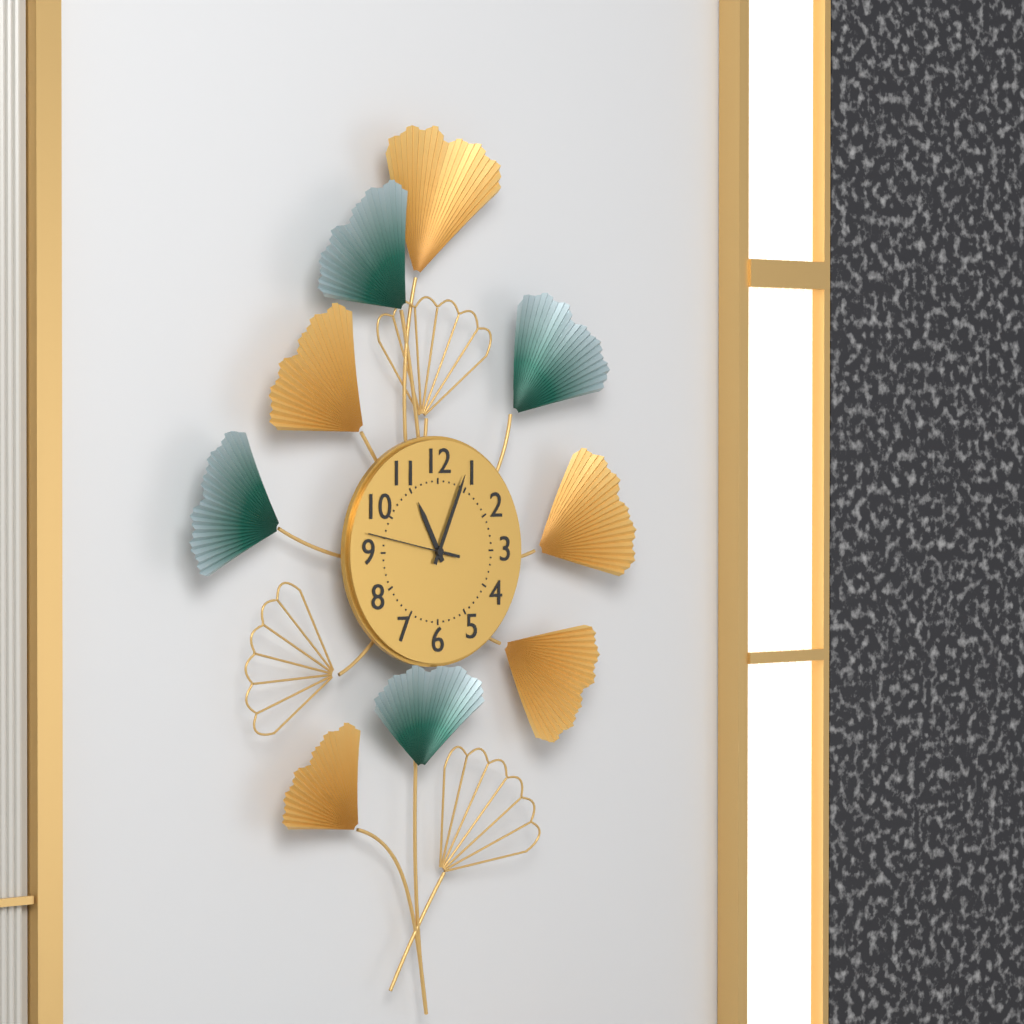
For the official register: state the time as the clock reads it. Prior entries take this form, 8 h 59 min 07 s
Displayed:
11 h 04 min 47 s
